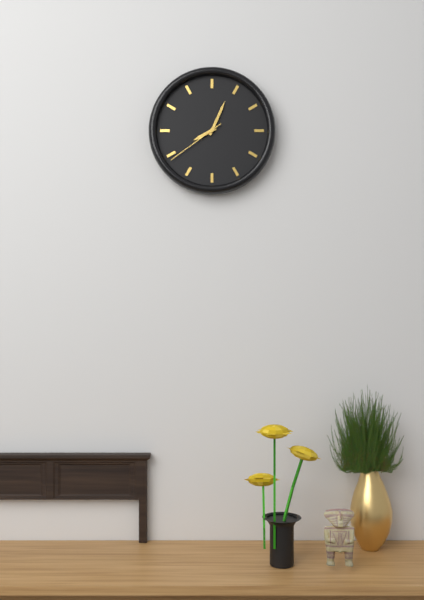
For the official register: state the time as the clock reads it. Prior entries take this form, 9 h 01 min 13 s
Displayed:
8 h 04 min 39 s
